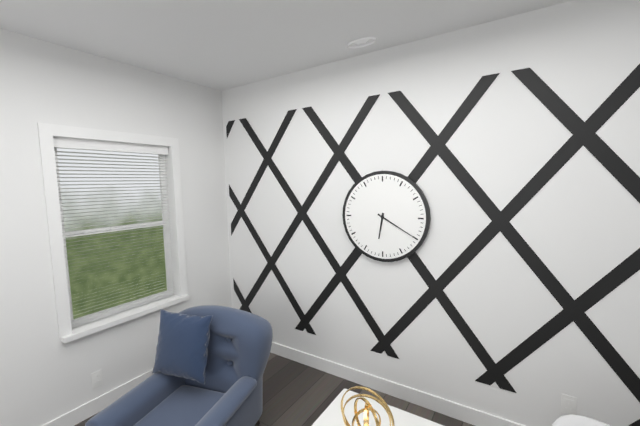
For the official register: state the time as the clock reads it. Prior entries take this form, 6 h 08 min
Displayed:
6 h 20 min
